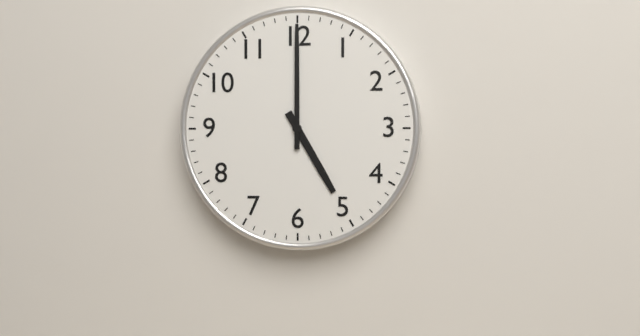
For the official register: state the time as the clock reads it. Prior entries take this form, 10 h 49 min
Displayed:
5 h 00 min
